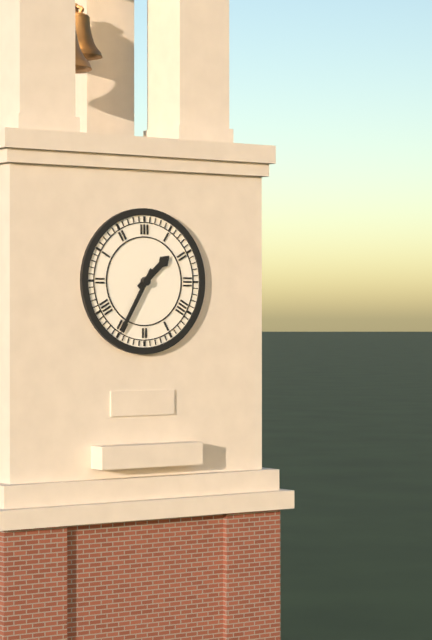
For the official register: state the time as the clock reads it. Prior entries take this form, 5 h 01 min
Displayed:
1 h 35 min
